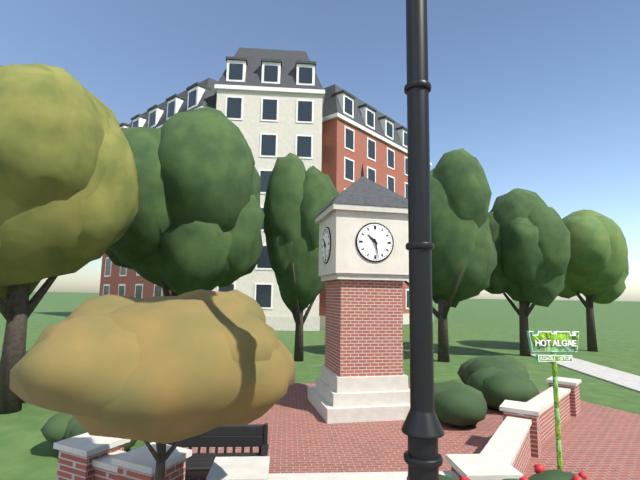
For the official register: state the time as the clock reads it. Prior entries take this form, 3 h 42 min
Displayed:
10 h 28 min
